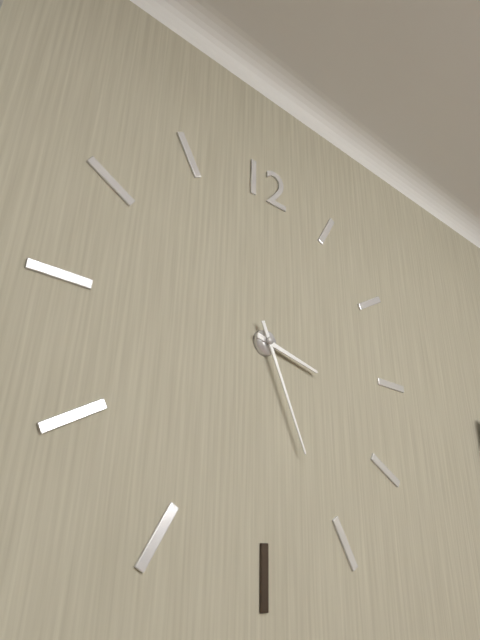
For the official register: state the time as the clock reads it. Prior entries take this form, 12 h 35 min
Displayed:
3 h 26 min
